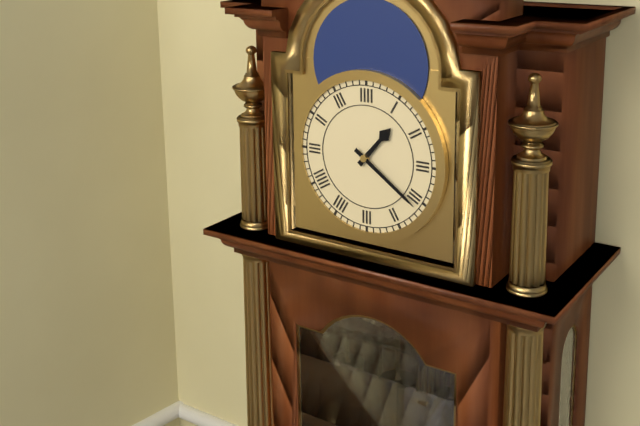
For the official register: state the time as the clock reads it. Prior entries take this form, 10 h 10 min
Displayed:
1 h 21 min
